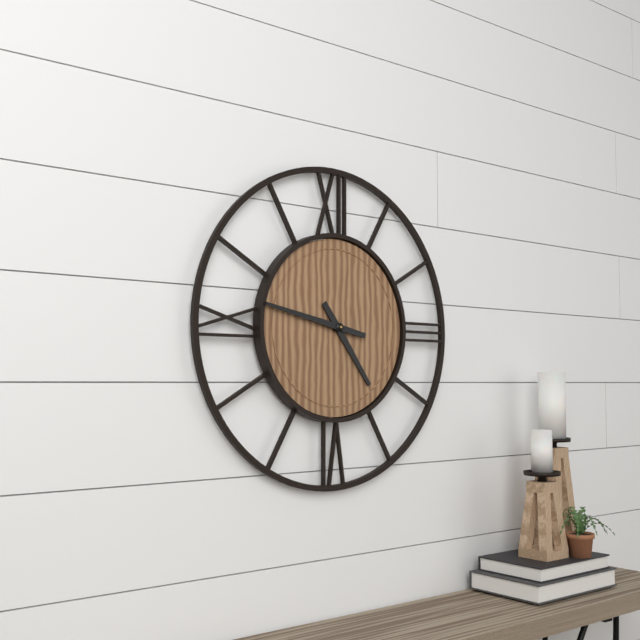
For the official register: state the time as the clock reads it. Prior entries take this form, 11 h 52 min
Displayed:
4 h 47 min
